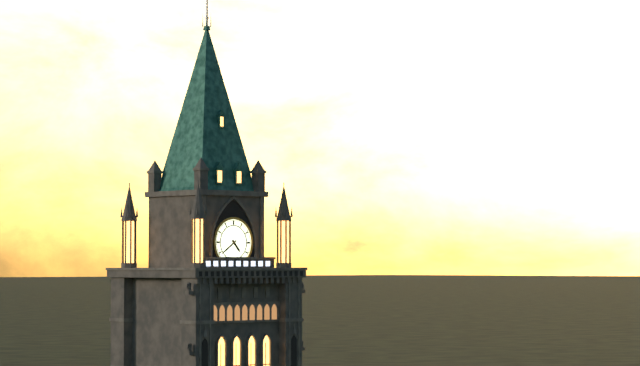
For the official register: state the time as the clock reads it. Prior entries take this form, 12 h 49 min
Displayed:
4 h 39 min
